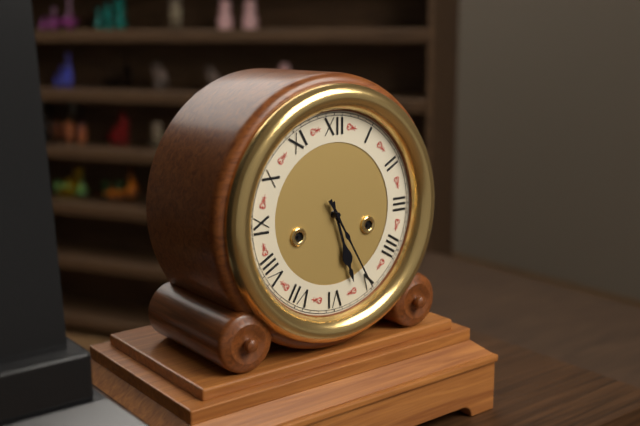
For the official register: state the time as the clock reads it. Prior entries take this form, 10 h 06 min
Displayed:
5 h 25 min
